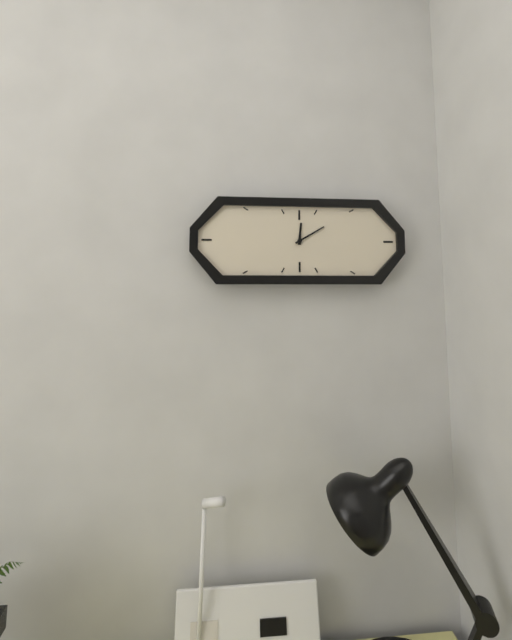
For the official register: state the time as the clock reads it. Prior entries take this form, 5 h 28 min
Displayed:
12 h 10 min
